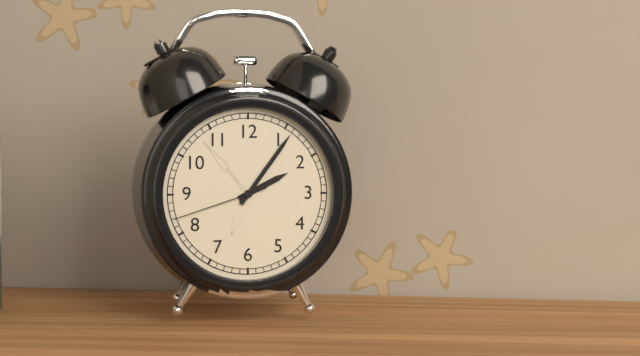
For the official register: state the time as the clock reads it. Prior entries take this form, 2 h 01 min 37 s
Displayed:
2 h 06 min 42 s
